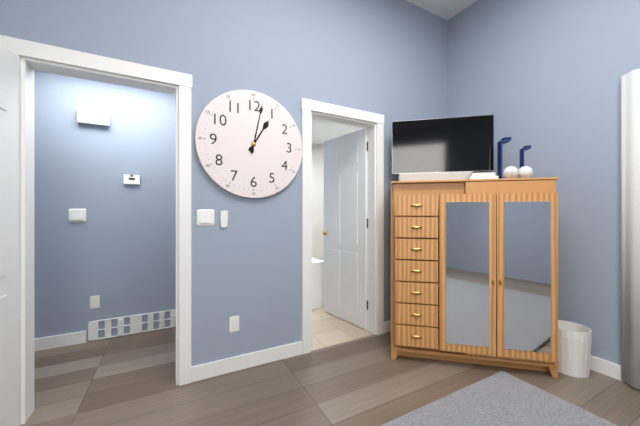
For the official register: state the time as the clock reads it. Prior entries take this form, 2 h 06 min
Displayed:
1 h 02 min
